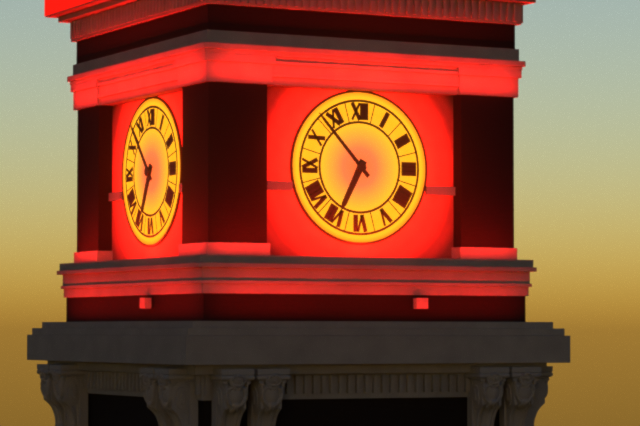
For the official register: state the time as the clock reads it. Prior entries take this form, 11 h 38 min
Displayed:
6 h 53 min
